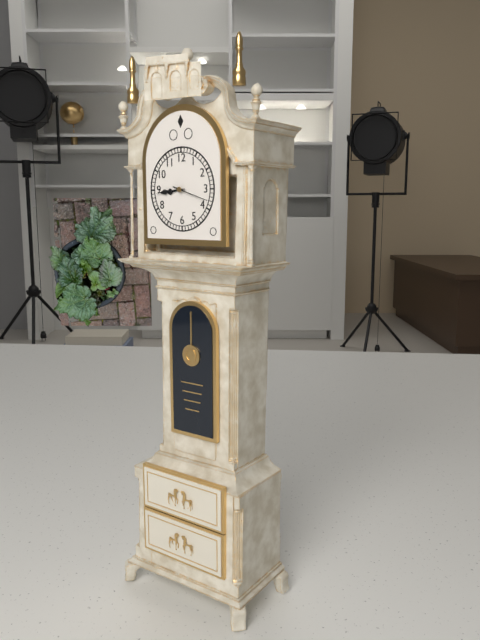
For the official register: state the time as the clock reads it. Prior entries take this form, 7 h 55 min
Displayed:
8 h 44 min
